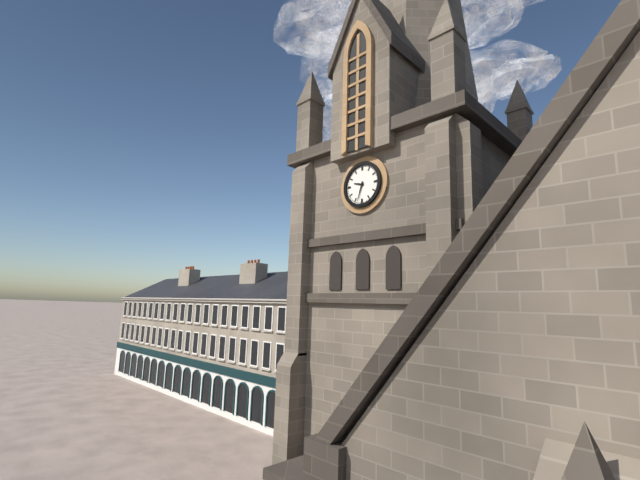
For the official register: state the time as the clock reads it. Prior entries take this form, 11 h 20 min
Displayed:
9 h 33 min
